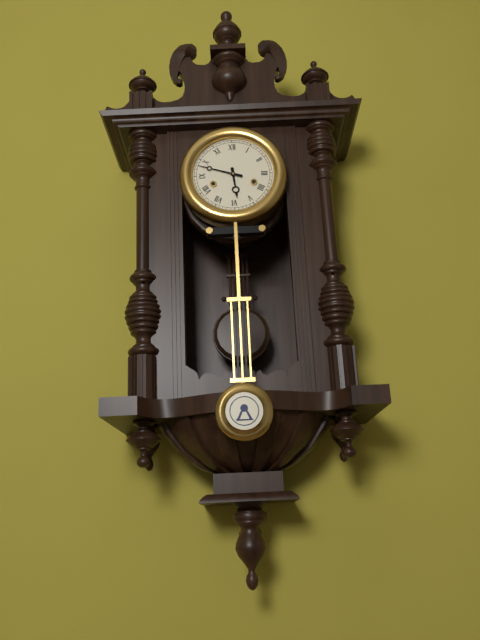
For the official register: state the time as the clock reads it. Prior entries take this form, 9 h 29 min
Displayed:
5 h 48 min
